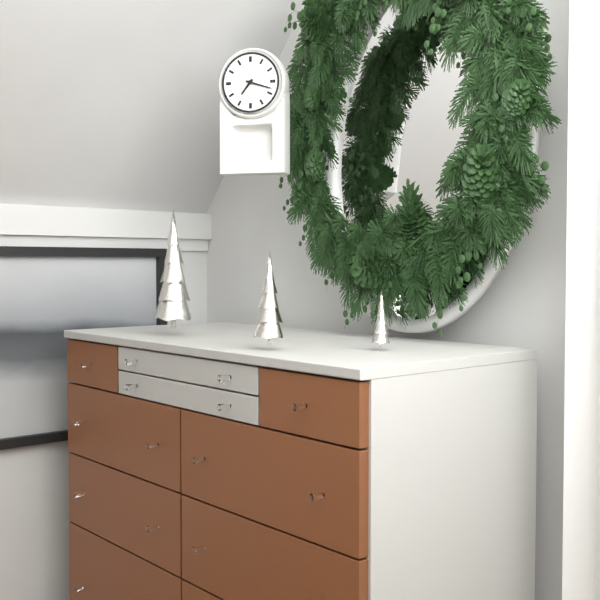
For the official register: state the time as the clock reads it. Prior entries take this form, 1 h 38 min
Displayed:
7 h 18 min
